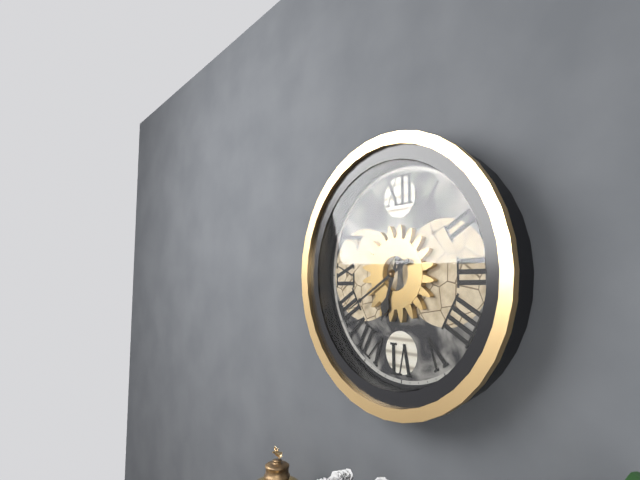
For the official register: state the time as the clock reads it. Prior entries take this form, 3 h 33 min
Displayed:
6 h 40 min
